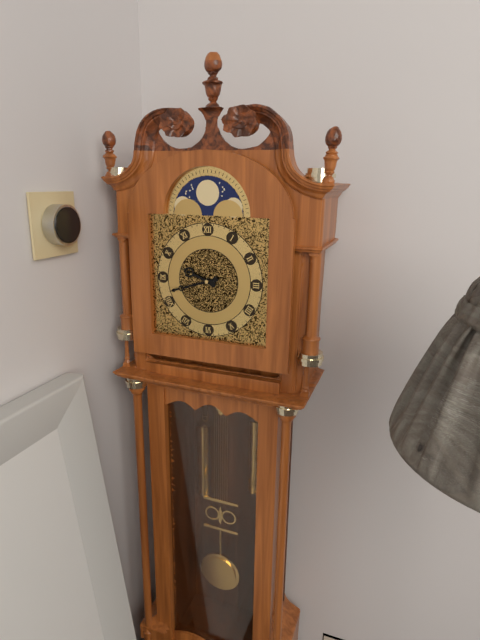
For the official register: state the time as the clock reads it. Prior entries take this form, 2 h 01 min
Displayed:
9 h 42 min
